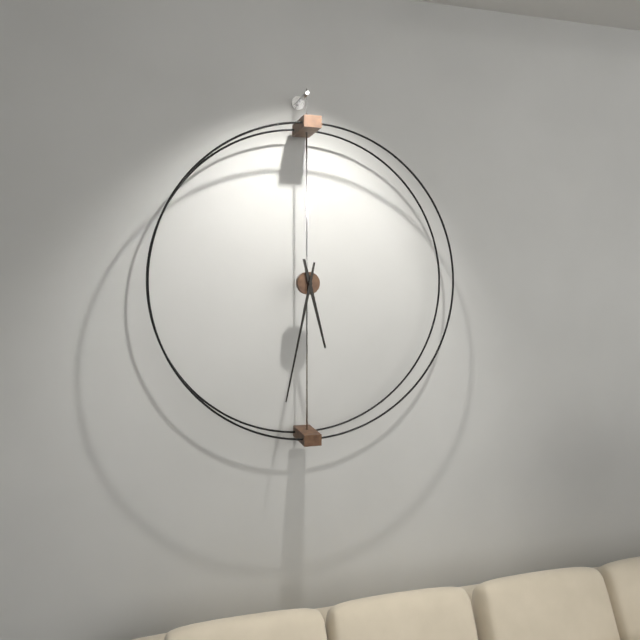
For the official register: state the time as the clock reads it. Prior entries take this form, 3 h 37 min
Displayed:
5 h 32 min
